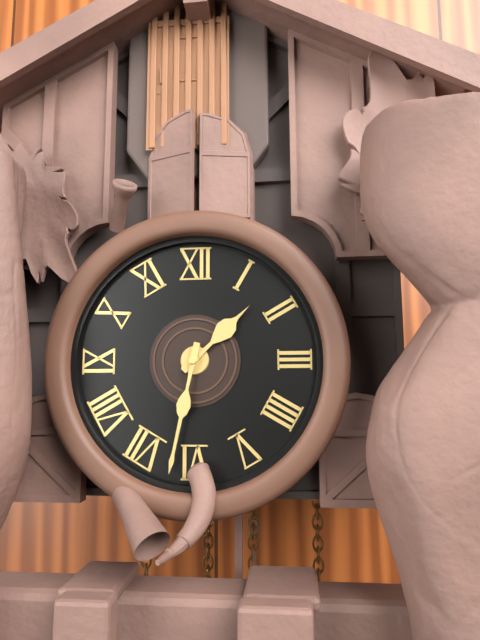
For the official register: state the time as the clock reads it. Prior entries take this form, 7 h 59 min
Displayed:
1 h 32 min
